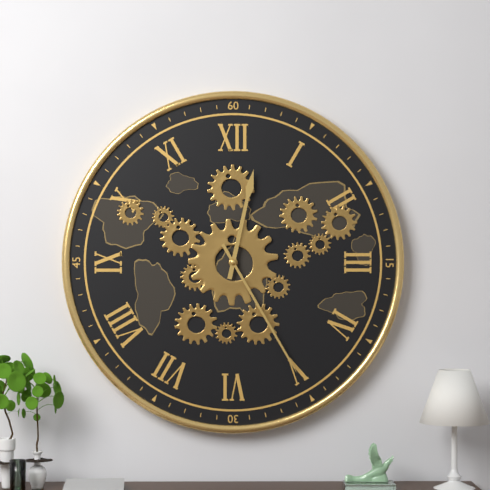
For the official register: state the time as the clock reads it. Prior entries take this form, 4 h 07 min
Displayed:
12 h 25 min
